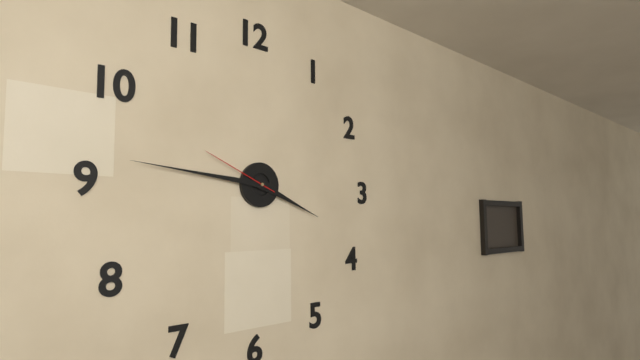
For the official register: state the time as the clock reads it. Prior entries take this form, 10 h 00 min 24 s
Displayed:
3 h 46 min 49 s
